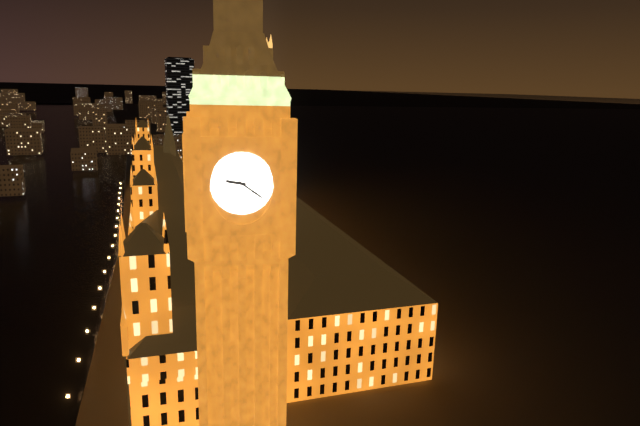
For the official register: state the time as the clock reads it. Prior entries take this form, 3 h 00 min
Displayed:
9 h 21 min
